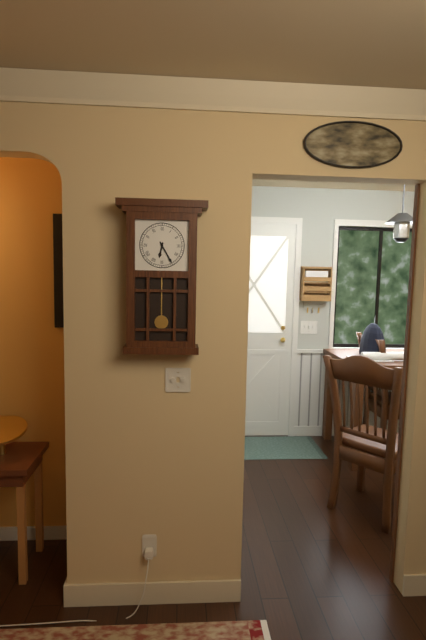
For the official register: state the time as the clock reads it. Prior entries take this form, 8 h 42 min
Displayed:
6 h 25 min
